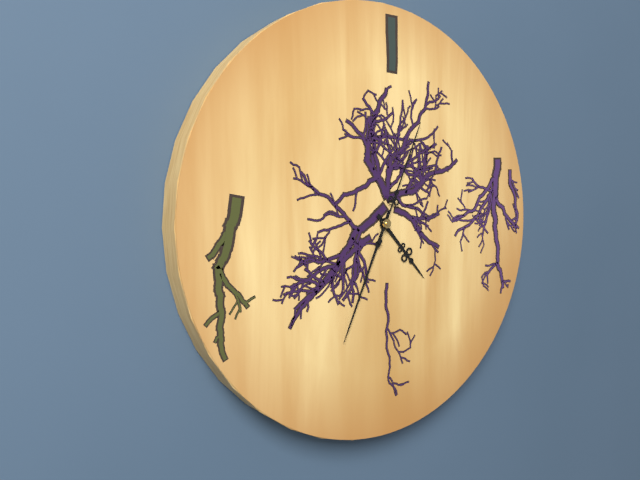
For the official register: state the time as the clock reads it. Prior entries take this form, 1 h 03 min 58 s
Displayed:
4 h 34 min 04 s
